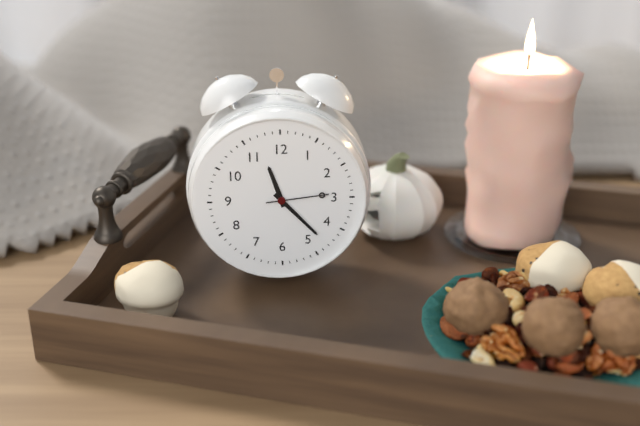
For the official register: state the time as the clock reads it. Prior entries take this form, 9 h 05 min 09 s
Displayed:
11 h 23 min 14 s
